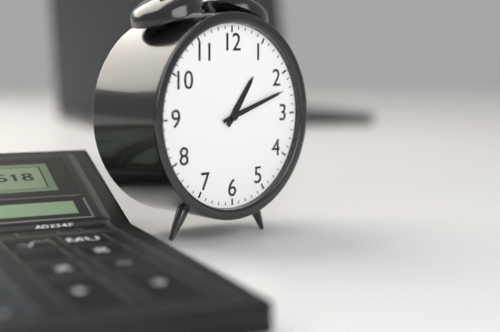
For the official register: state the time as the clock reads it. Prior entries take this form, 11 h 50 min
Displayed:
1 h 12 min
